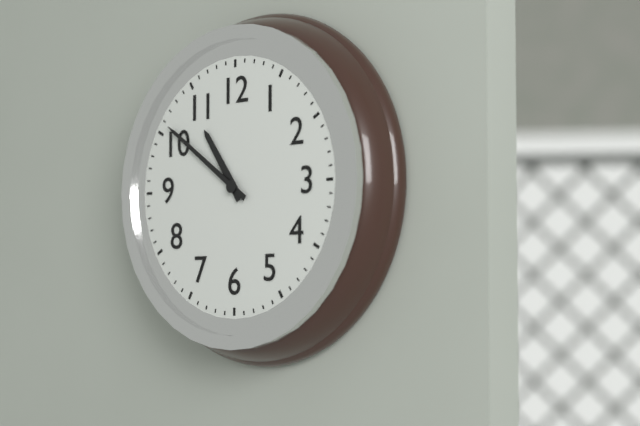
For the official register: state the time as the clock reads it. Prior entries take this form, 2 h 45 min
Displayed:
10 h 51 min
